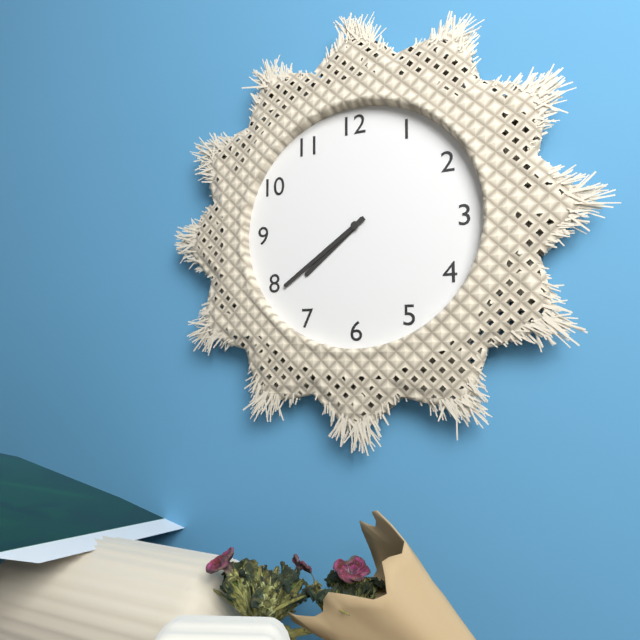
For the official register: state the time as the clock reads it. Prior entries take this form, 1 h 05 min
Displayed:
7 h 39 min
